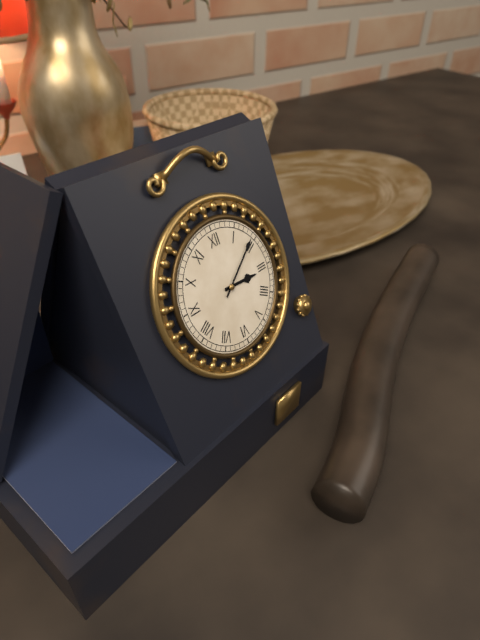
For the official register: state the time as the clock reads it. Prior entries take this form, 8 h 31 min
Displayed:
3 h 09 min
